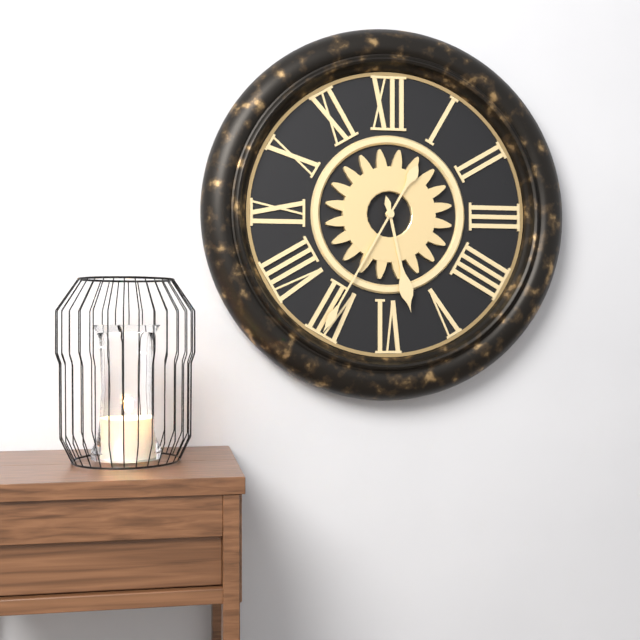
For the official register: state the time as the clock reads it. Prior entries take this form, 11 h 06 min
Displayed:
5 h 35 min
